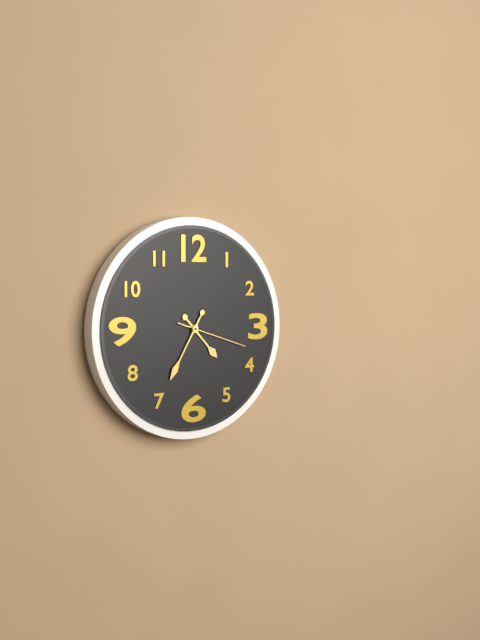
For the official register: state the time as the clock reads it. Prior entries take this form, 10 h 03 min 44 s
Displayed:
4 h 35 min 18 s
